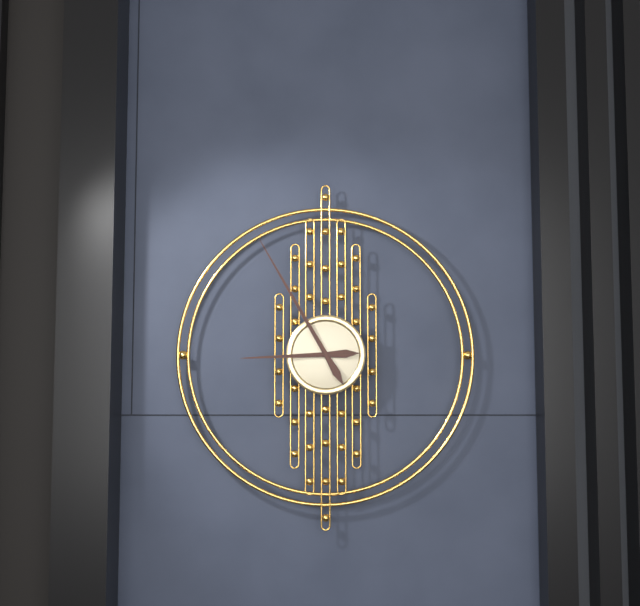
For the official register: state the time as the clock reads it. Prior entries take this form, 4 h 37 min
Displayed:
8 h 55 min
